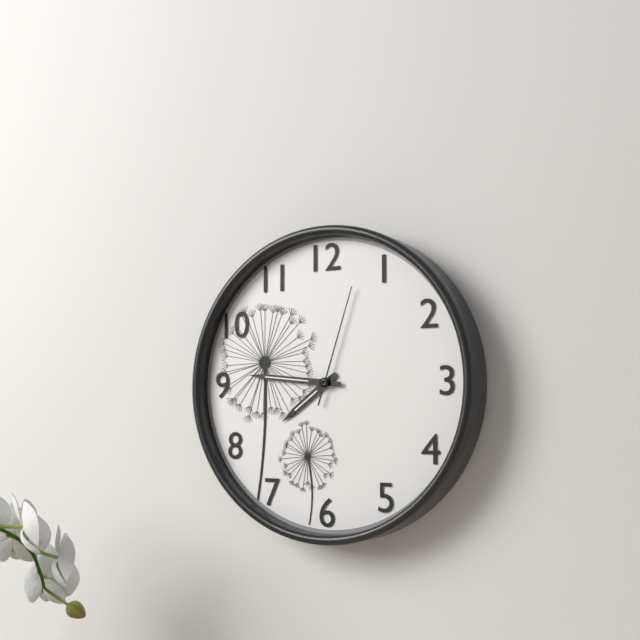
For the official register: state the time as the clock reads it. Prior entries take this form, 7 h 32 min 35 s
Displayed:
7 h 46 min 03 s
